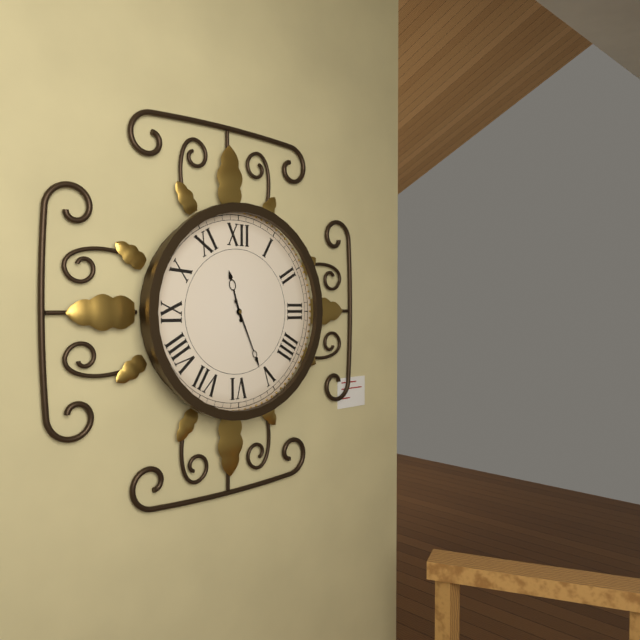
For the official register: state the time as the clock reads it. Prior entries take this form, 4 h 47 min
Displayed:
11 h 26 min
